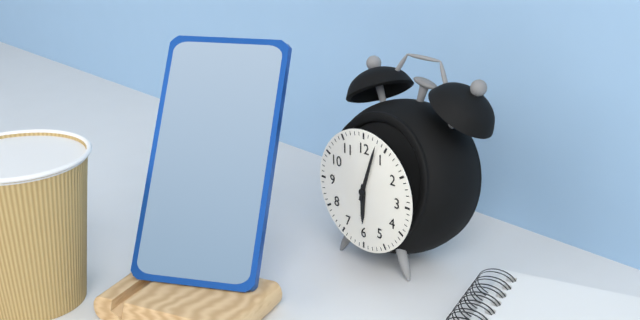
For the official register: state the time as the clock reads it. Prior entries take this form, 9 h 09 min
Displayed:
6 h 03 min
